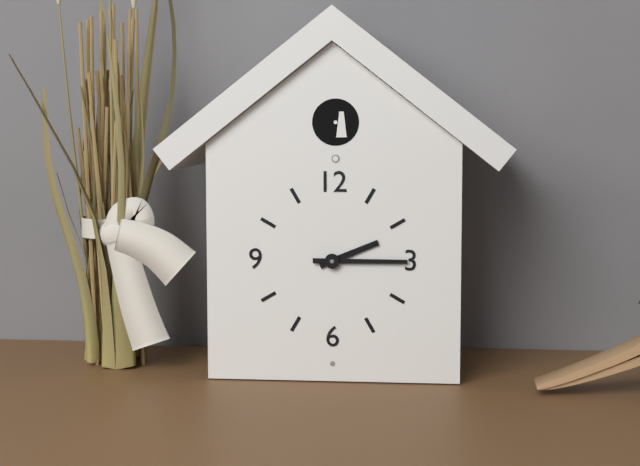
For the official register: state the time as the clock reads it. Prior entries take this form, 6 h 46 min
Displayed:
2 h 15 min
